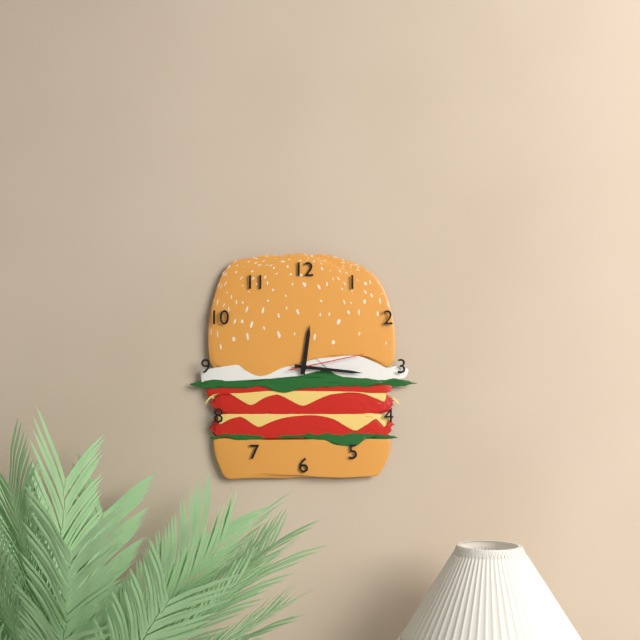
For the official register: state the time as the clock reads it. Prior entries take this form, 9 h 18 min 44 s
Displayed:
12 h 16 min 13 s
